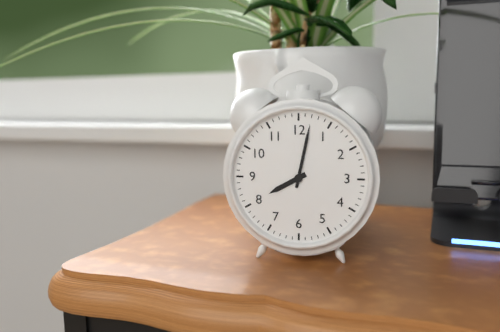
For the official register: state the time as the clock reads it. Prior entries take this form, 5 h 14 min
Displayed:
8 h 02 min
